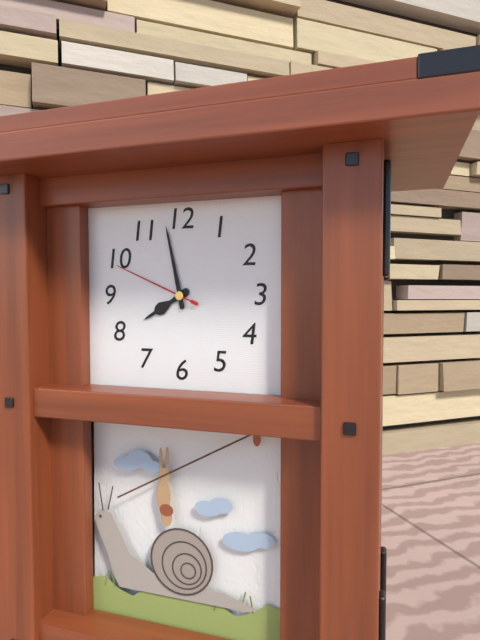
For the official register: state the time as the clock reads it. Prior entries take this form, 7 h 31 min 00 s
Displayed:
7 h 58 min 49 s
